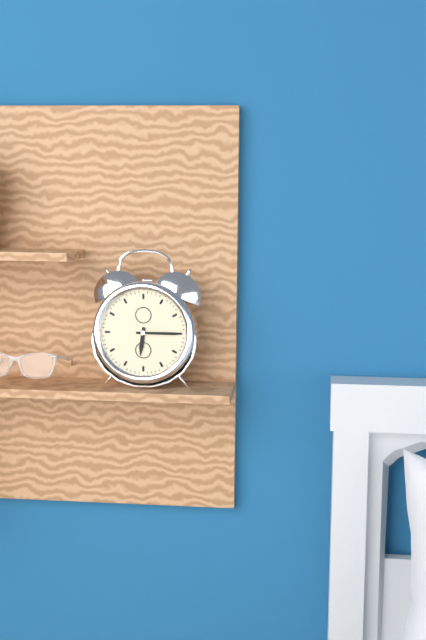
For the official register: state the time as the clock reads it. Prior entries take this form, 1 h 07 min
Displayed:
6 h 15 min
